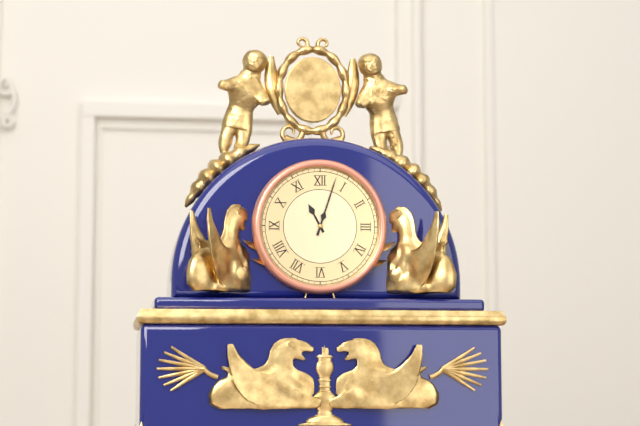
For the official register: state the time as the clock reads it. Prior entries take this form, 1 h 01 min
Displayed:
11 h 03 min
